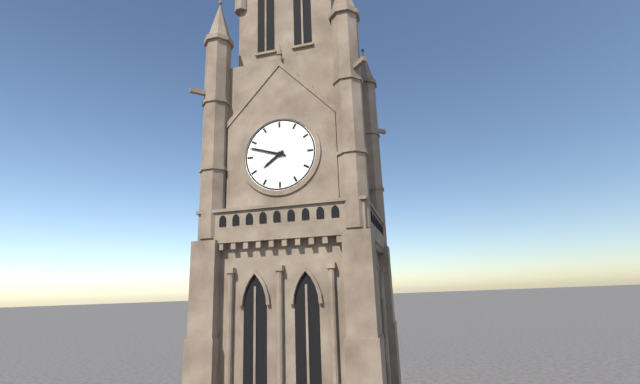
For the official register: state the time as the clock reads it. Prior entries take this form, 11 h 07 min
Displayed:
7 h 48 min
